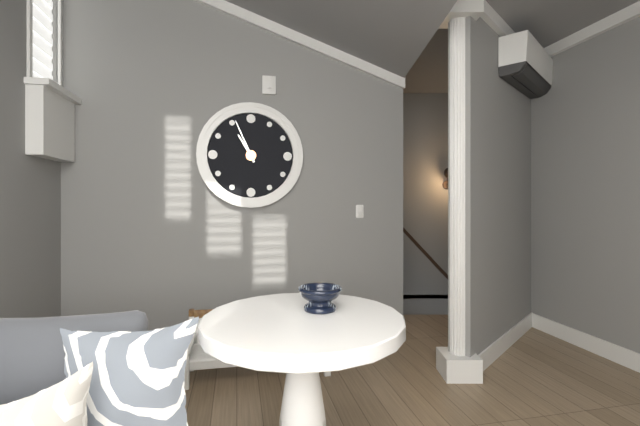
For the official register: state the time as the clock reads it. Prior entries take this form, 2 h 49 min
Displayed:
10 h 56 min
